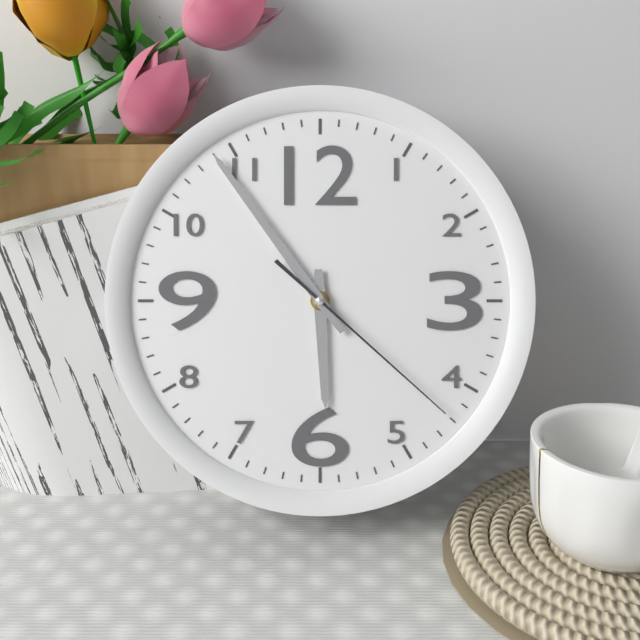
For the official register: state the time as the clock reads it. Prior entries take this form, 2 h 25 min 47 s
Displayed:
5 h 54 min 22 s
